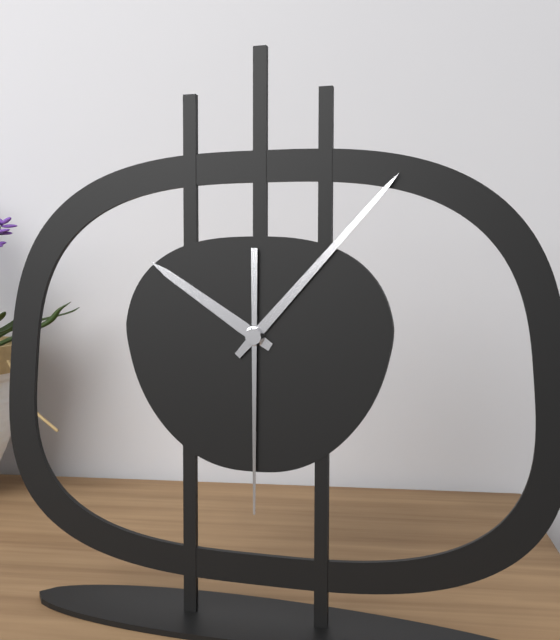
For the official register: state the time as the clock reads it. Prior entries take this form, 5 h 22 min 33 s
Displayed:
10 h 07 min 30 s
